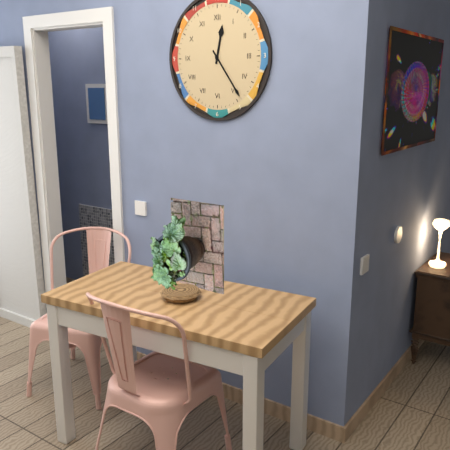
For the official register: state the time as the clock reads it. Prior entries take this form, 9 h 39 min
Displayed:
12 h 24 min
